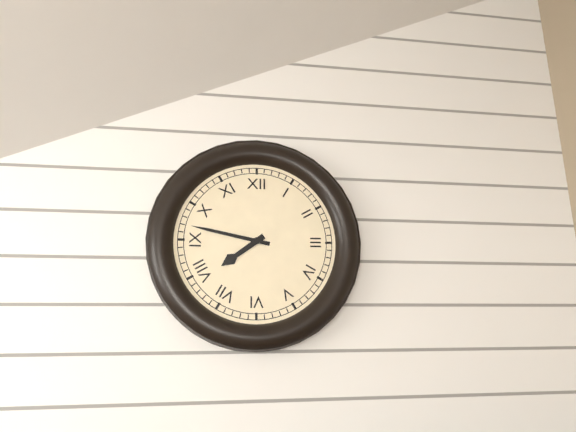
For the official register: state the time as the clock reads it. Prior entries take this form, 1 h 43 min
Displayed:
7 h 47 min
